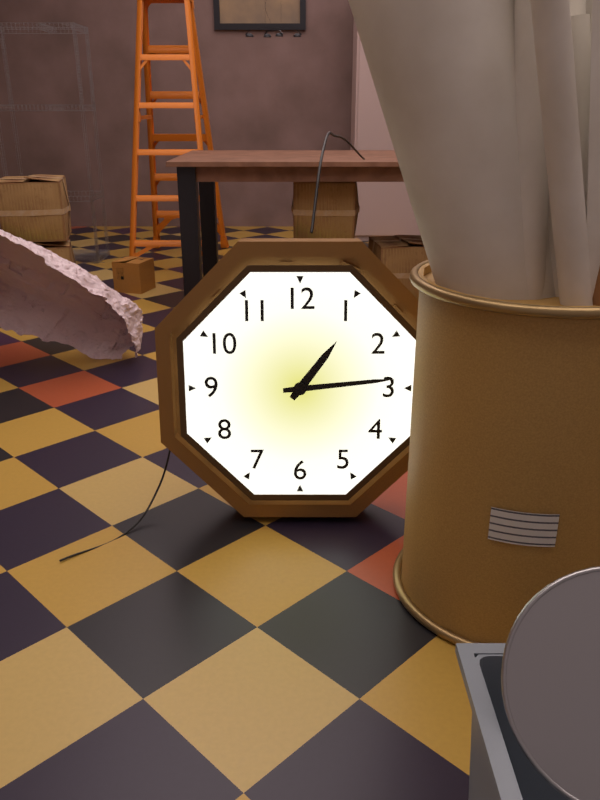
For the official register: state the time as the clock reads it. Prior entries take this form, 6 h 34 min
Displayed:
1 h 14 min
